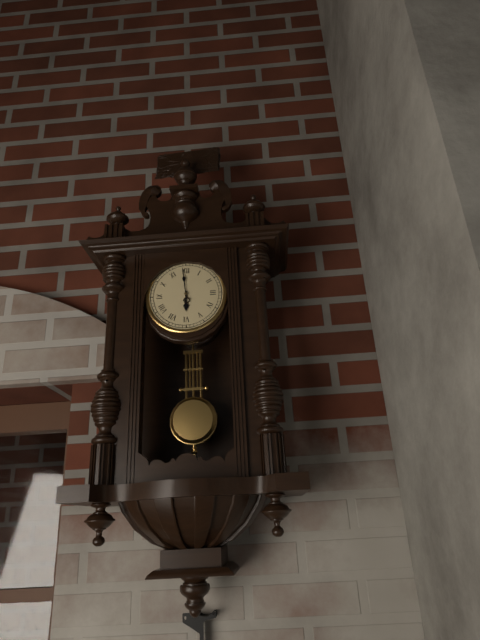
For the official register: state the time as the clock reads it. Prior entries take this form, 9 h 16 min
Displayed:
5 h 59 min
